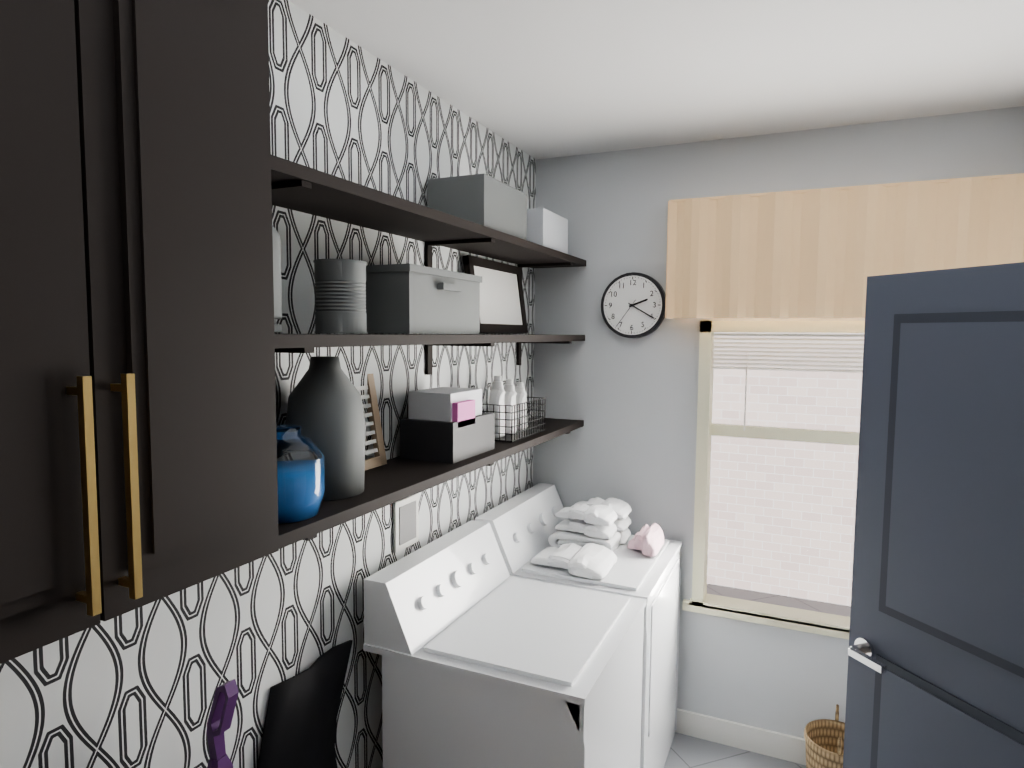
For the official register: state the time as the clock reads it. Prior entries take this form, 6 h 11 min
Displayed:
2 h 20 min
